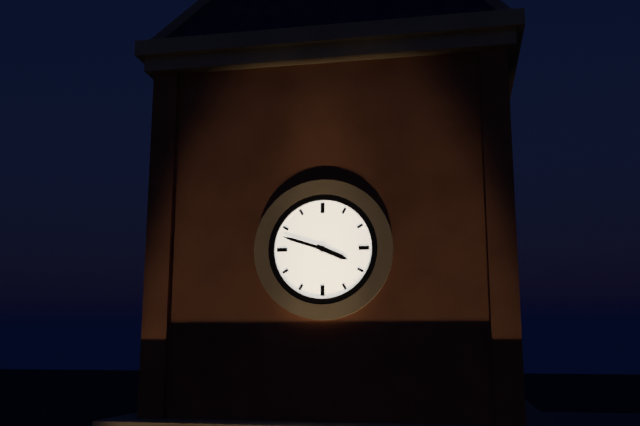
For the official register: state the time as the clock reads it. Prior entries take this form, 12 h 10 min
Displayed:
3 h 48 min
